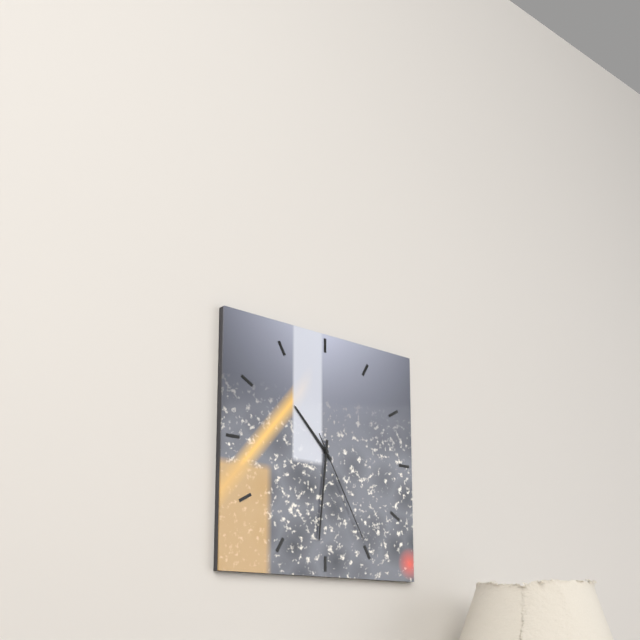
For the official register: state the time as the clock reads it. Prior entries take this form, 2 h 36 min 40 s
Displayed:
10 h 31 min 25 s
